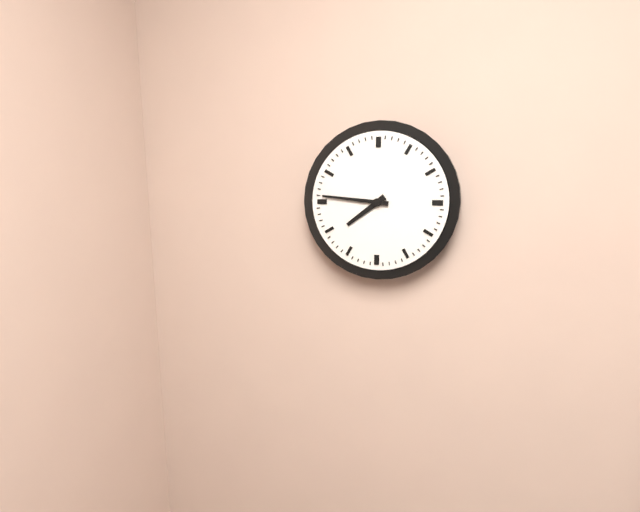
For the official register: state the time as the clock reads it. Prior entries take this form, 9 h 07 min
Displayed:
7 h 46 min
